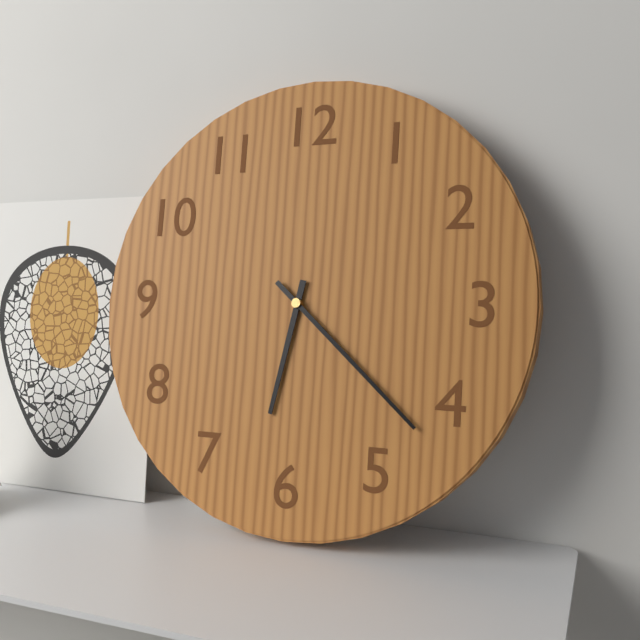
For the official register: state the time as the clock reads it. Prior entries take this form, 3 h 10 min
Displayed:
6 h 22 min
